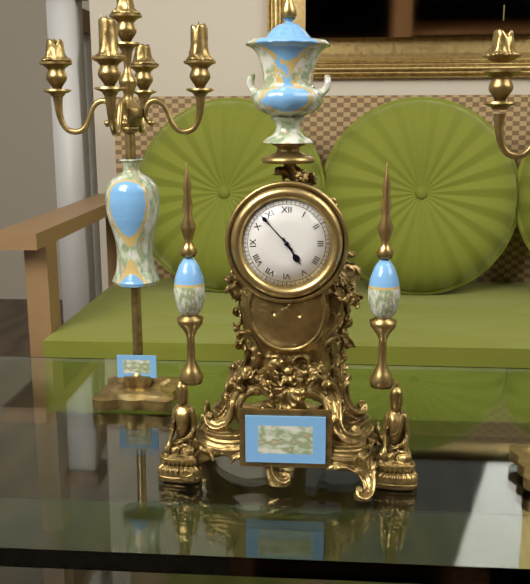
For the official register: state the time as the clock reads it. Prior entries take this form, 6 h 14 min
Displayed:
4 h 53 min
